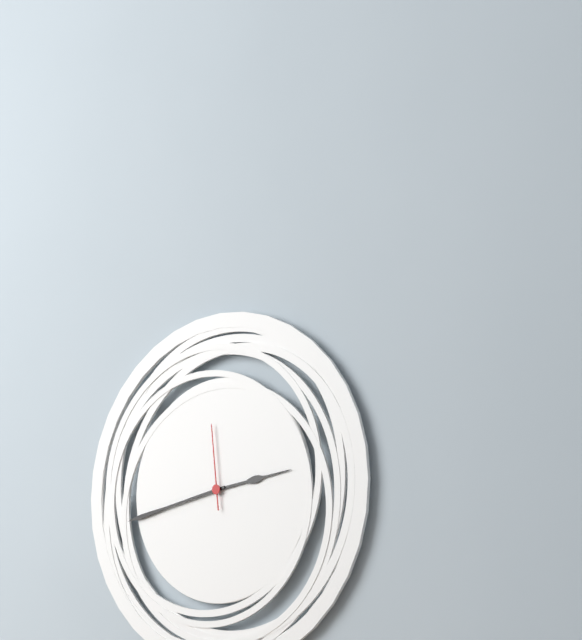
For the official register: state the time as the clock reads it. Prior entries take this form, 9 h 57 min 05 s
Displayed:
2 h 43 min 59 s
